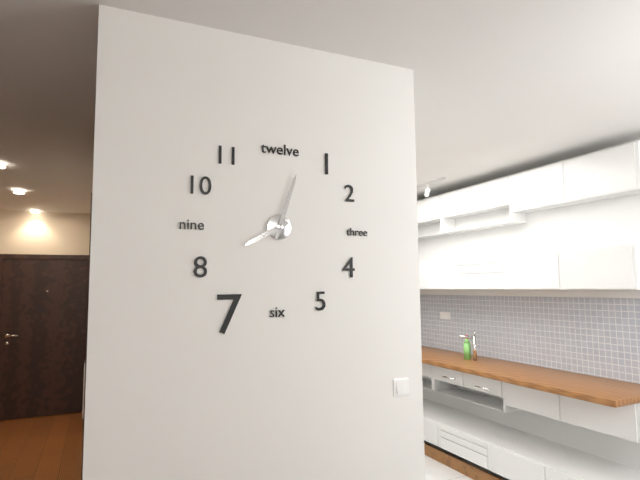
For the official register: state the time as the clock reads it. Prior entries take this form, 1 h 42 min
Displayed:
8 h 03 min
